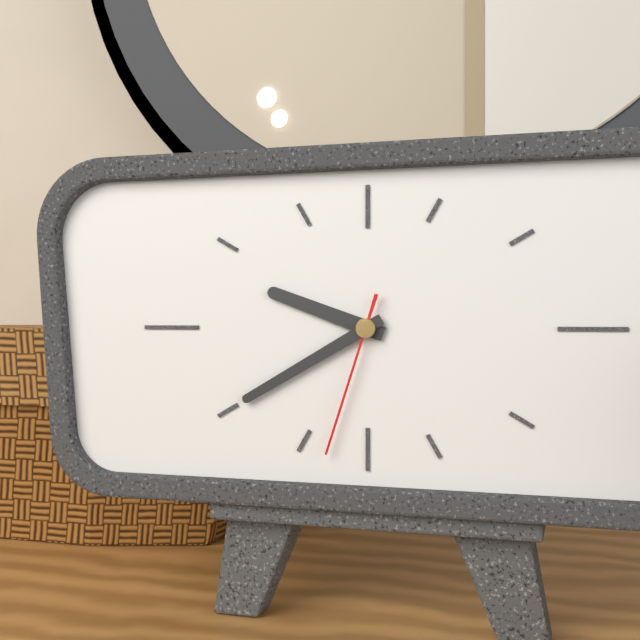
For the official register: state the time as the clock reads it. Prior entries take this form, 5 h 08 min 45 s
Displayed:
9 h 40 min 33 s
